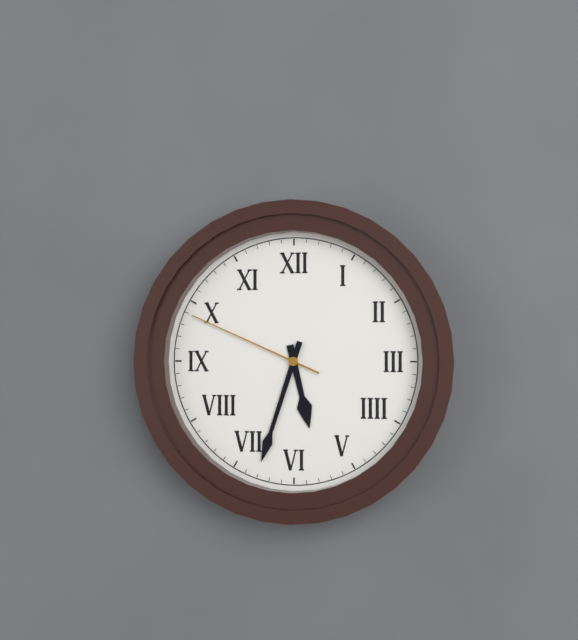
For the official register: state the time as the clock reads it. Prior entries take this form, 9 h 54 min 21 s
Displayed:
5 h 33 min 49 s
